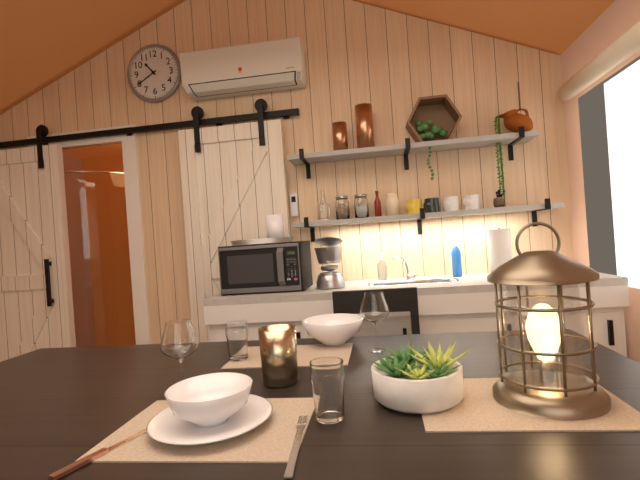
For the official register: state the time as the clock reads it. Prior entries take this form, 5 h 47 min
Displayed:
10 h 40 min
